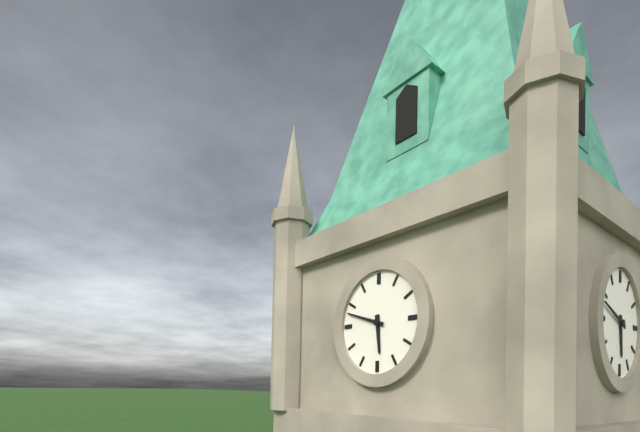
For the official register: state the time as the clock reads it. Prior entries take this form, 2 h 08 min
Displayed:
5 h 48 min
